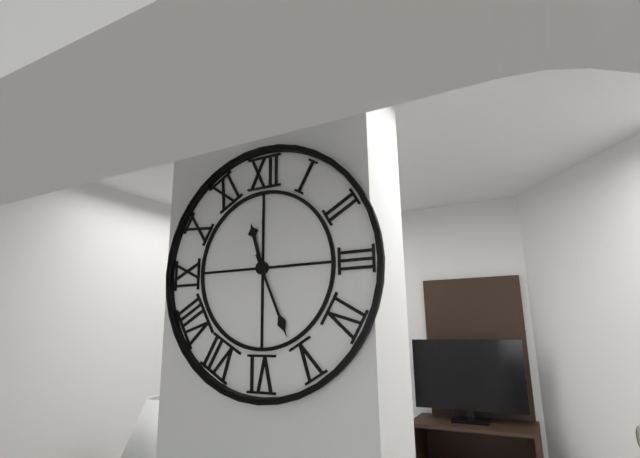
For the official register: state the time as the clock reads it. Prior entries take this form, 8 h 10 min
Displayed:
11 h 26 min
